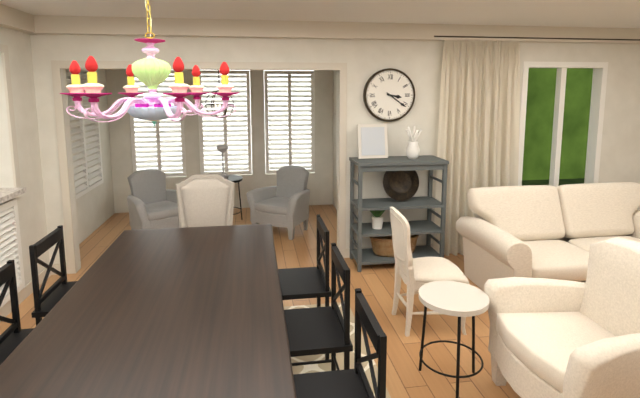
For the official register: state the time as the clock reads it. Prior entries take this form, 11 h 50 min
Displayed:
3 h 21 min
